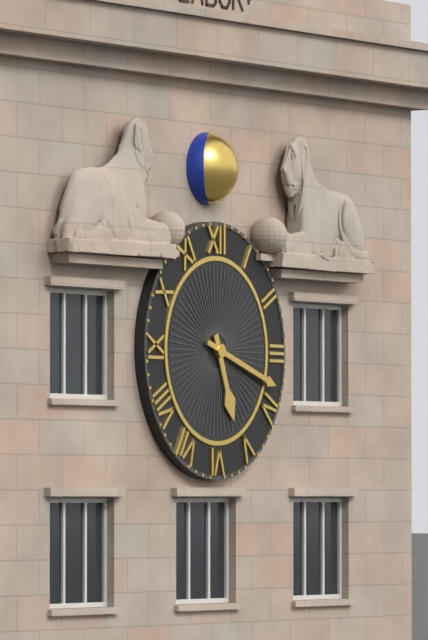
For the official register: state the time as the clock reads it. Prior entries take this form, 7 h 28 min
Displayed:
5 h 18 min
